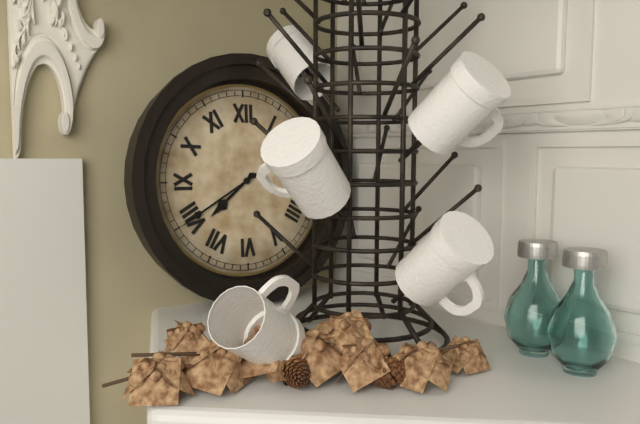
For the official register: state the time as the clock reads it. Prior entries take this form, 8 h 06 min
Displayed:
7 h 40 min
